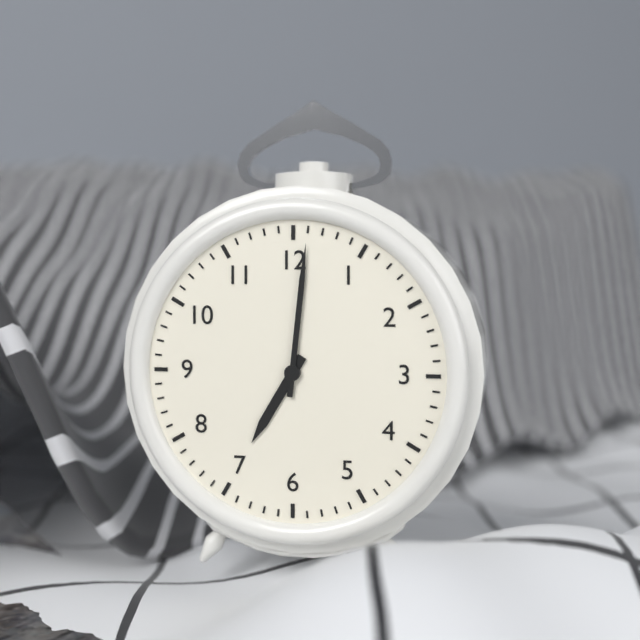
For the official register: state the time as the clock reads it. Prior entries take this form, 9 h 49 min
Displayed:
7 h 01 min
